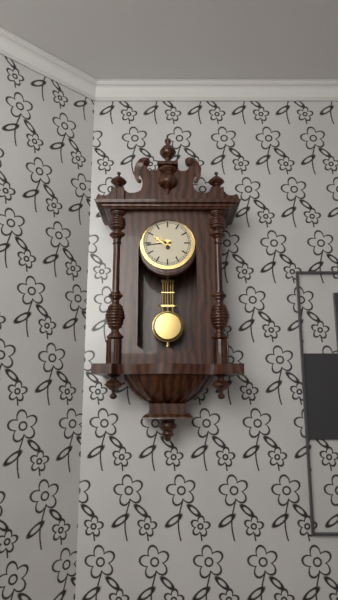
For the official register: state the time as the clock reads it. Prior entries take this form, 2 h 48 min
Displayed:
9 h 44 min
